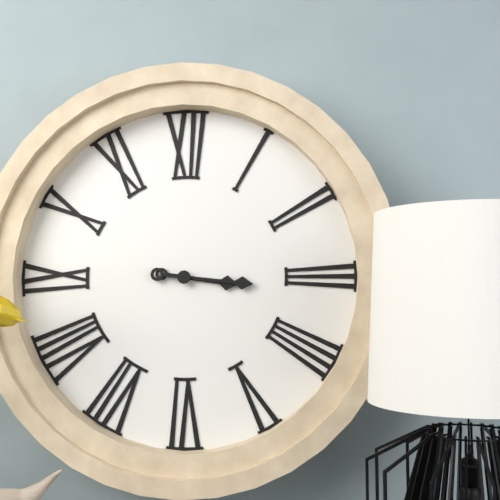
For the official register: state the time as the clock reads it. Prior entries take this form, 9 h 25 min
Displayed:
3 h 16 min
